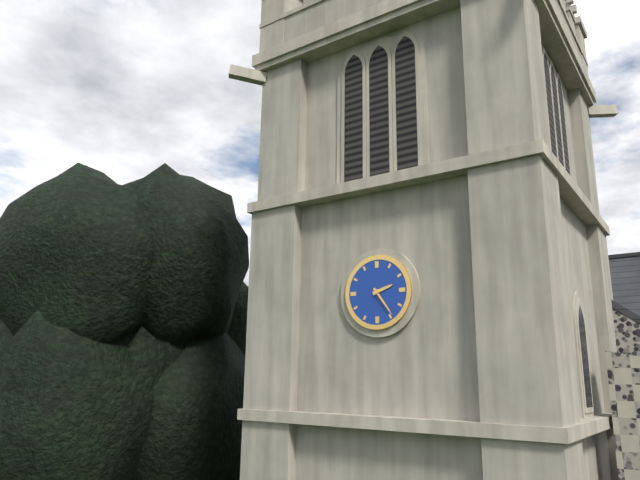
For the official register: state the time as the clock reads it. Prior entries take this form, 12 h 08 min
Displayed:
2 h 24 min
